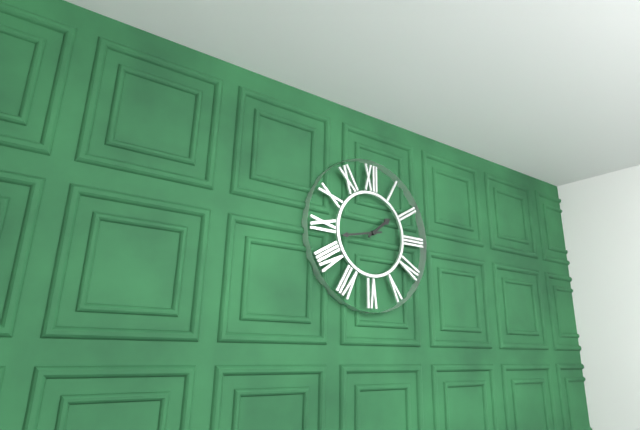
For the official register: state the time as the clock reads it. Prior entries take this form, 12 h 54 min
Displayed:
1 h 43 min
